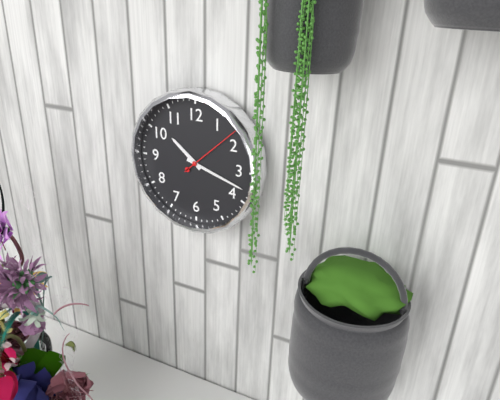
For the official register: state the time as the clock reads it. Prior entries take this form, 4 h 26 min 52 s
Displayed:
10 h 18 min 08 s
